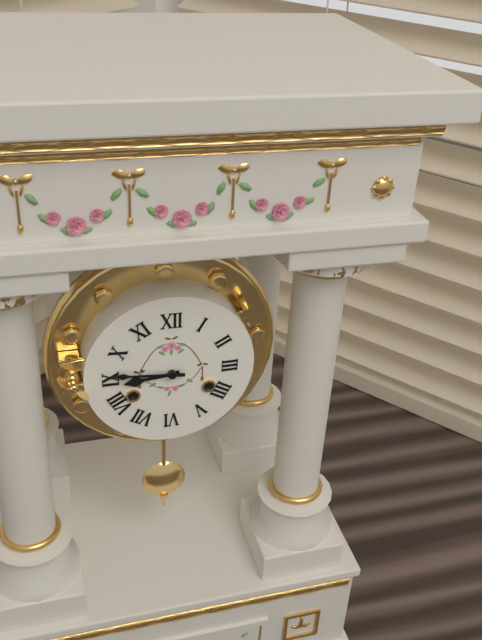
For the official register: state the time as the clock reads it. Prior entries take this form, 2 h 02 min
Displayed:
8 h 46 min
